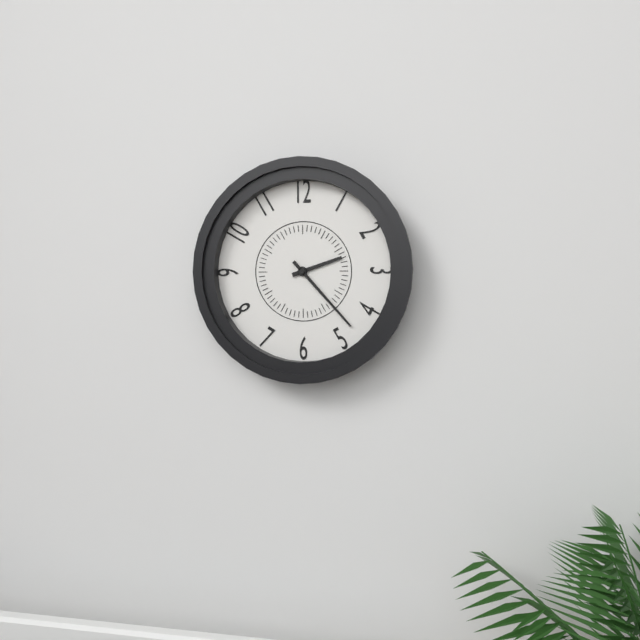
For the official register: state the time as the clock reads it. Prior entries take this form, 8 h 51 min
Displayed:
2 h 23 min
